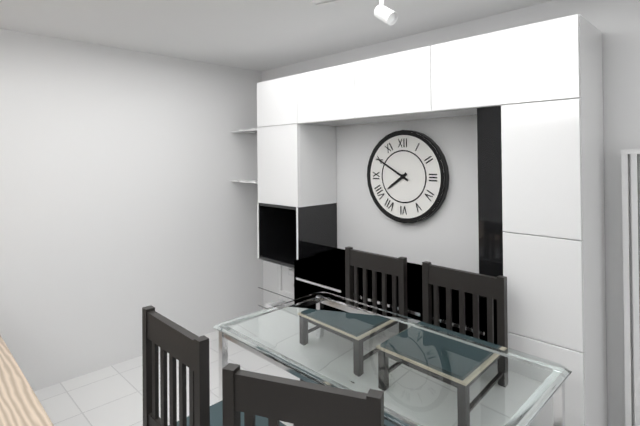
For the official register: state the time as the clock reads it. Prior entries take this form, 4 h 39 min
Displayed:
7 h 50 min
